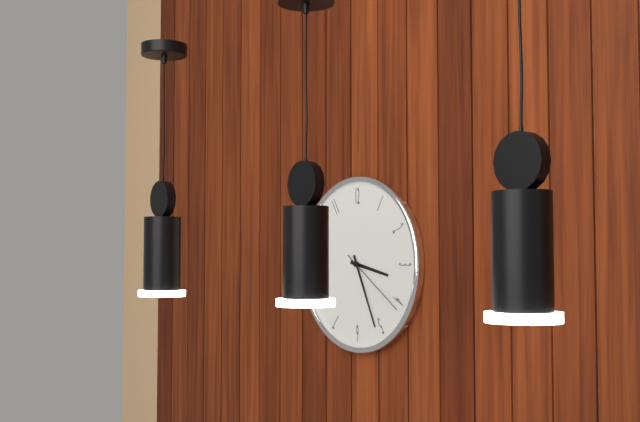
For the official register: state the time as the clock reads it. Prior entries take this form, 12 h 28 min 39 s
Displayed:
3 h 26 min 21 s
